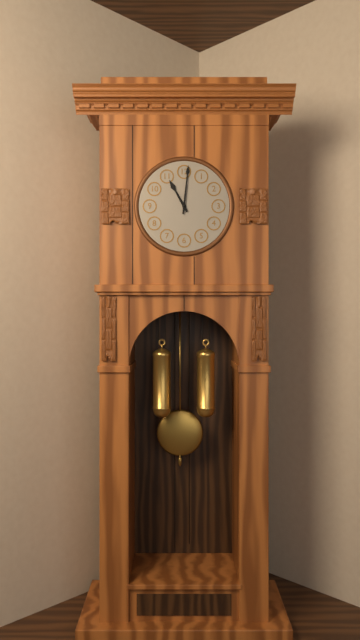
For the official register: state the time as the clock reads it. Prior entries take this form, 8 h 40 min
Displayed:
11 h 01 min
